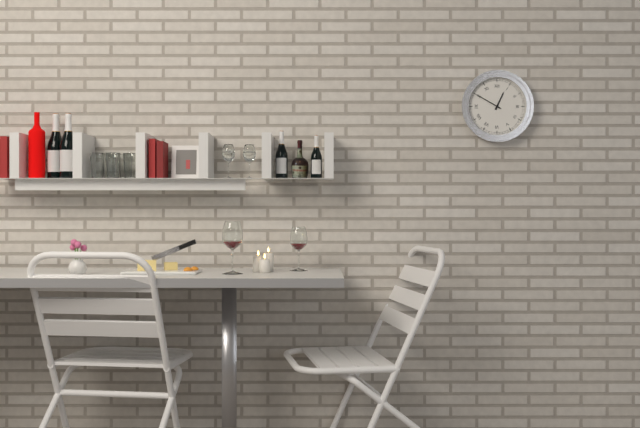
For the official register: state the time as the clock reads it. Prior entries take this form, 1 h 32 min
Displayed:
12 h 50 min
